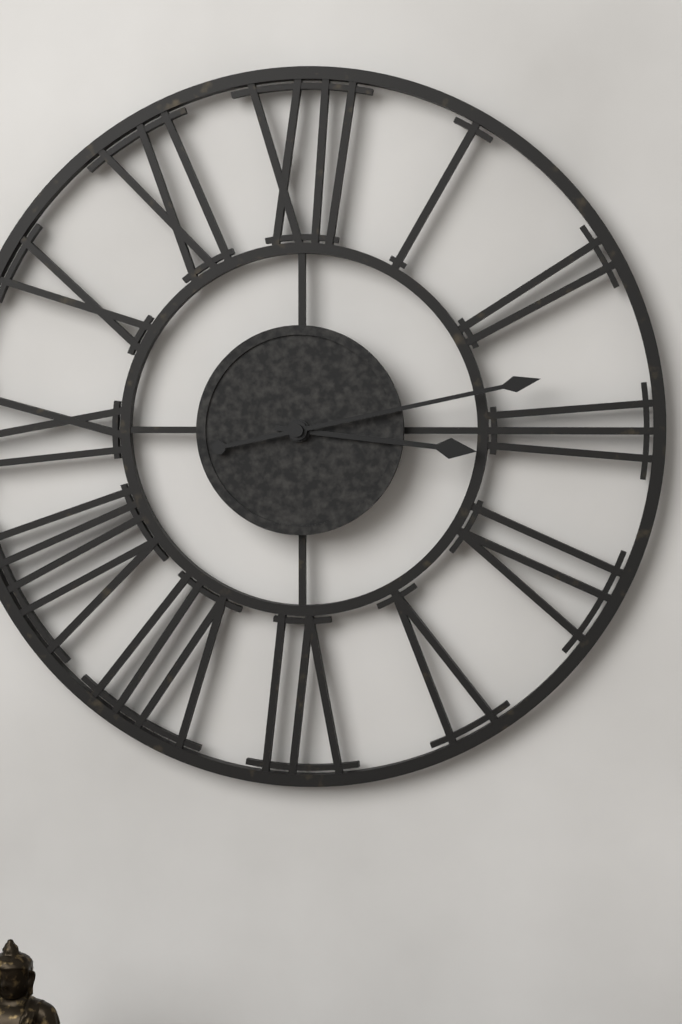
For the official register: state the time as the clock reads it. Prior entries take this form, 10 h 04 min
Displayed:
3 h 13 min
